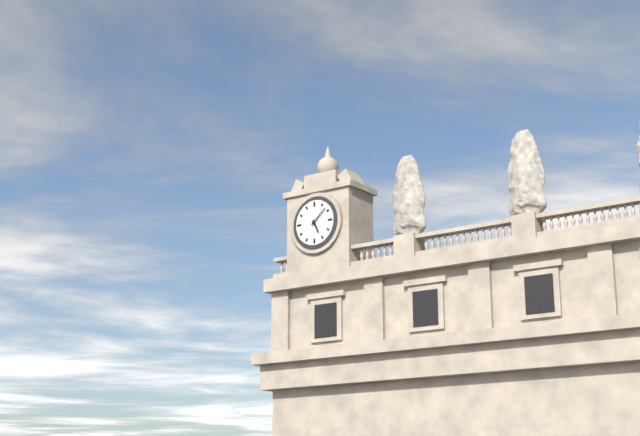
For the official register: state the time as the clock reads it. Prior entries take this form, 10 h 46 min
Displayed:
5 h 08 min
